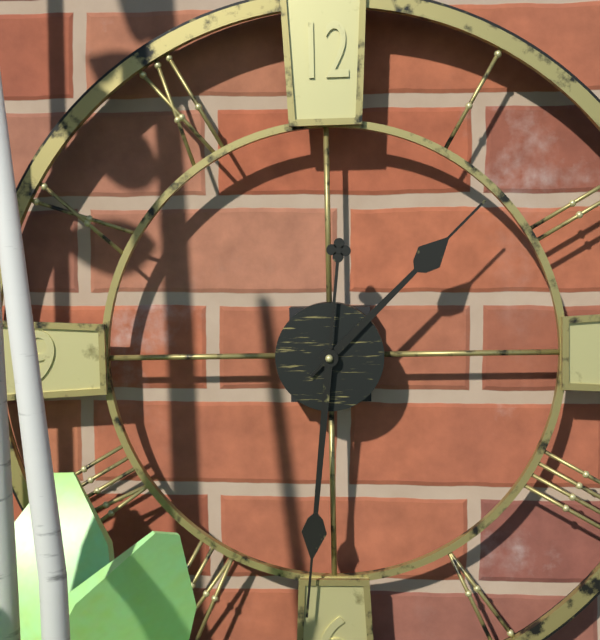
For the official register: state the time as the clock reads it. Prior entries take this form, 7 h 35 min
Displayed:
1 h 31 min
